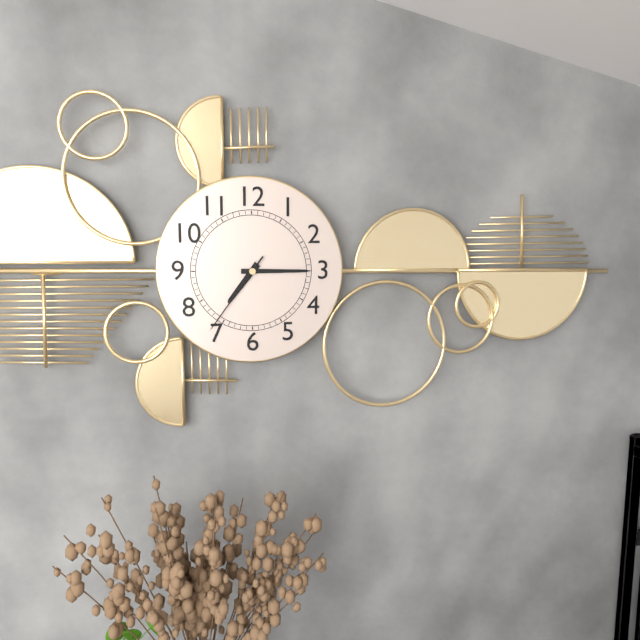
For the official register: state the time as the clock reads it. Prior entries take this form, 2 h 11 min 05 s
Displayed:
7 h 15 min 36 s
